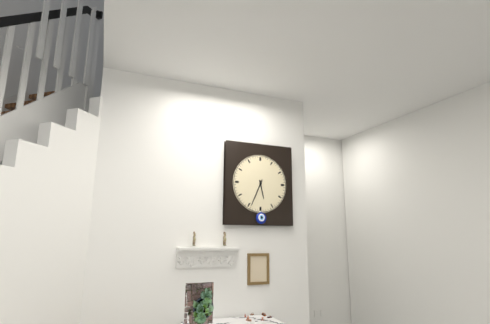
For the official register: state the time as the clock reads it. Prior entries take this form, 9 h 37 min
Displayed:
5 h 34 min
